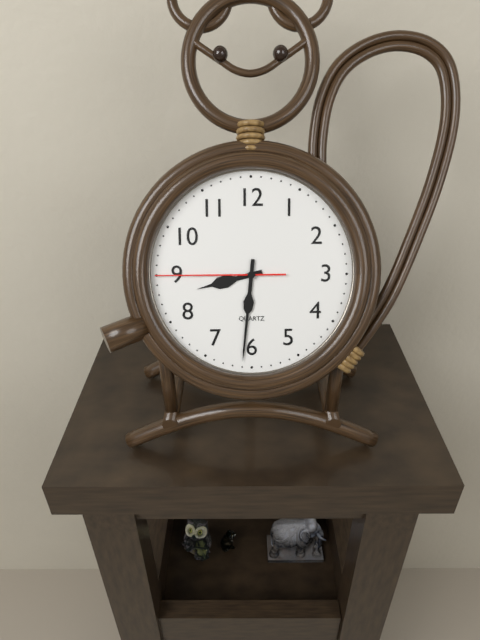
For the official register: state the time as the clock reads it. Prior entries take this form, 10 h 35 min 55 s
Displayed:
8 h 31 min 45 s
